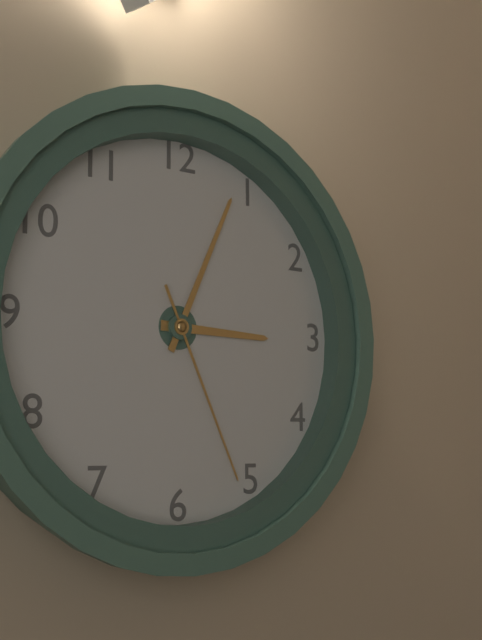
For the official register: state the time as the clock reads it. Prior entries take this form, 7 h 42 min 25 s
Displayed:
3 h 04 min 26 s
